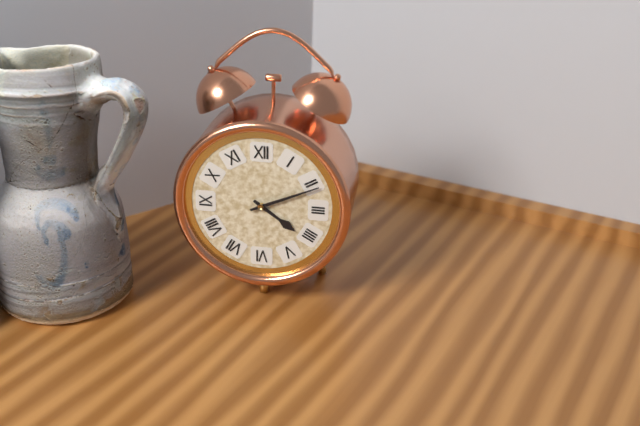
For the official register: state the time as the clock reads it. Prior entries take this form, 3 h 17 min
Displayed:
4 h 11 min
